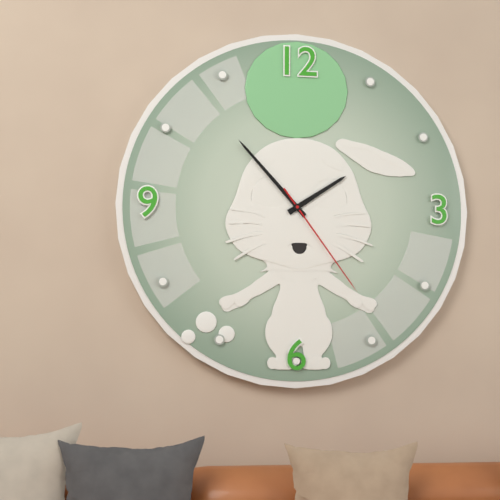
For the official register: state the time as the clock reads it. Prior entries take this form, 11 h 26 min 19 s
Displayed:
1 h 53 min 24 s
